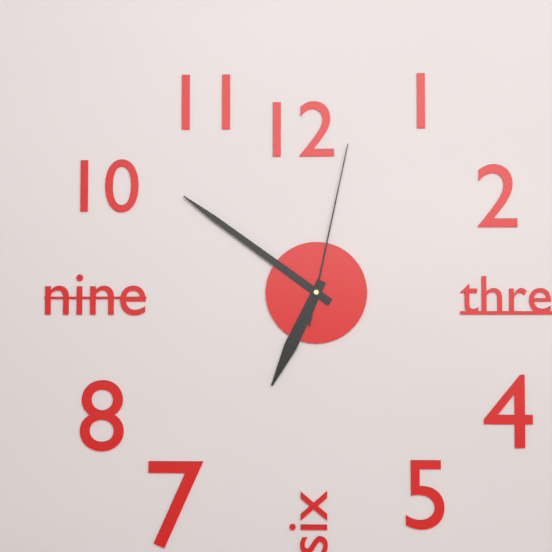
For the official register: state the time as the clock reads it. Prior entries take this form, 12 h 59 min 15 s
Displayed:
6 h 51 min 02 s
